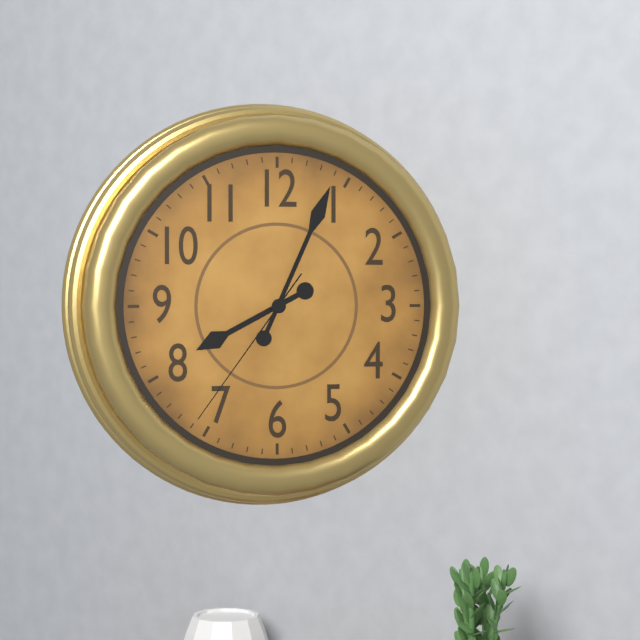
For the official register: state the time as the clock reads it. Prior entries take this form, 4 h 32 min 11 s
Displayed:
8 h 04 min 36 s
